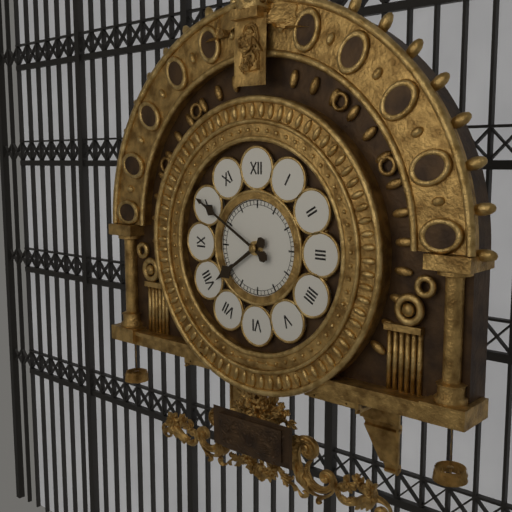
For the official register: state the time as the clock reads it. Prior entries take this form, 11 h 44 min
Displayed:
7 h 50 min
